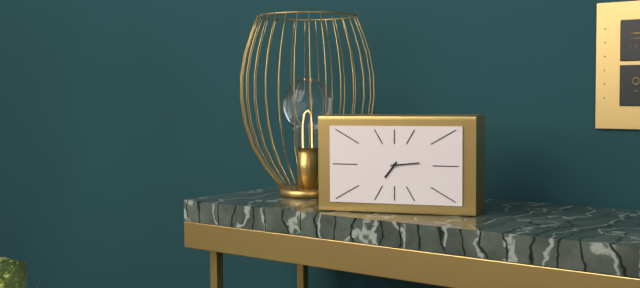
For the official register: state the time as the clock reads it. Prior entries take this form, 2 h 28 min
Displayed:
7 h 14 min
